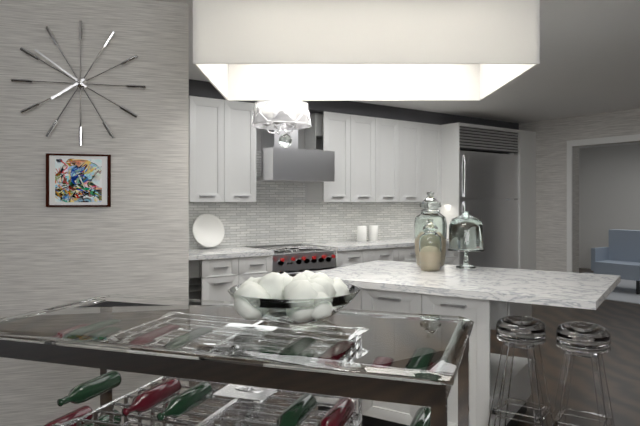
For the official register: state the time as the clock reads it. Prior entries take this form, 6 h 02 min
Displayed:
7 h 51 min
